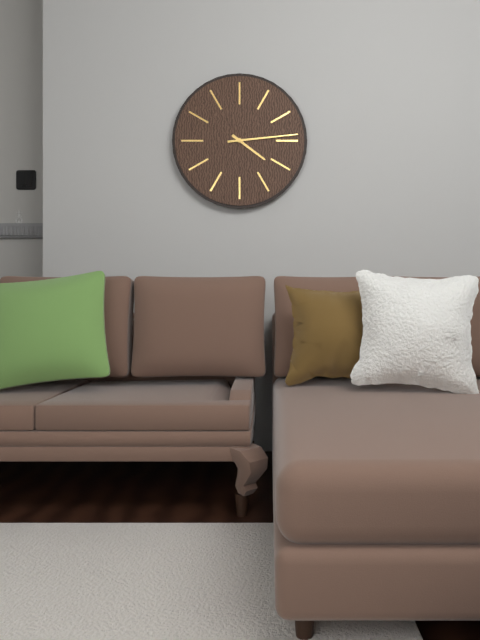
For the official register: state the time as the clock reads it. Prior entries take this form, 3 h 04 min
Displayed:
4 h 14 min
